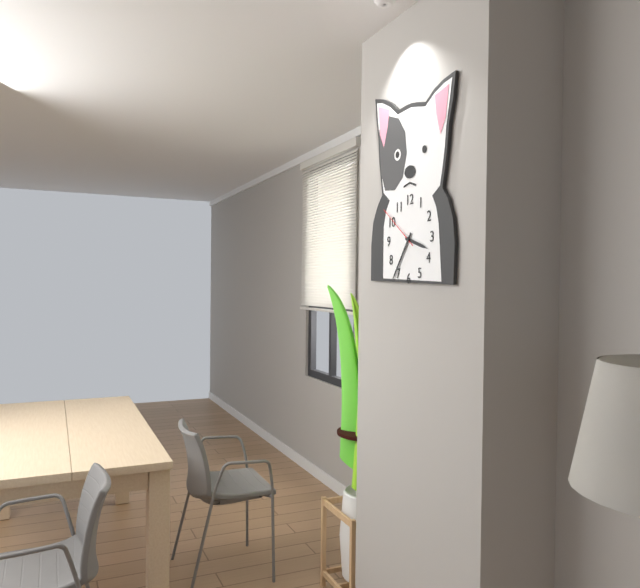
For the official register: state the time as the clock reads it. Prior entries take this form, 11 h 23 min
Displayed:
3 h 36 min
